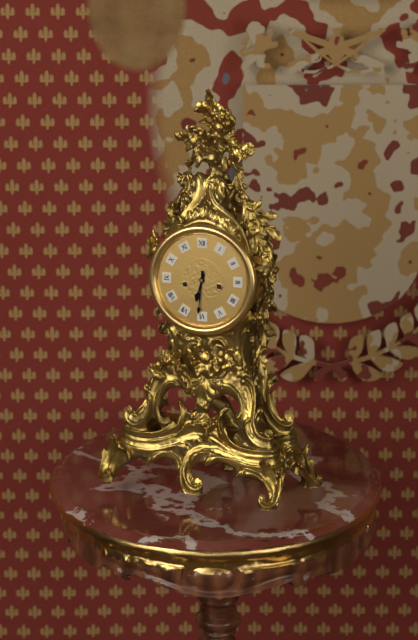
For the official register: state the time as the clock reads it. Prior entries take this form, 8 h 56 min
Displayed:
6 h 31 min
